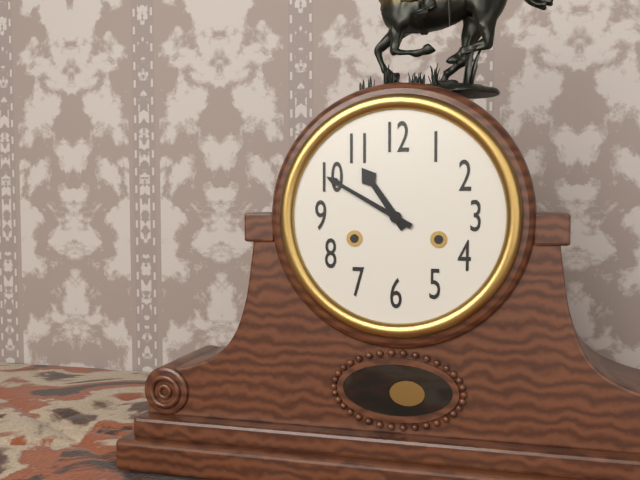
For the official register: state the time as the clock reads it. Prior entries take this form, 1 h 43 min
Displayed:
10 h 50 min
